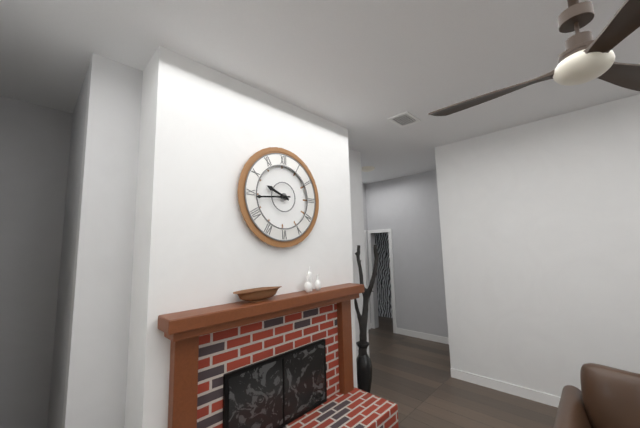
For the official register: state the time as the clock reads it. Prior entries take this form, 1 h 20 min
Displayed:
9 h 44 min
